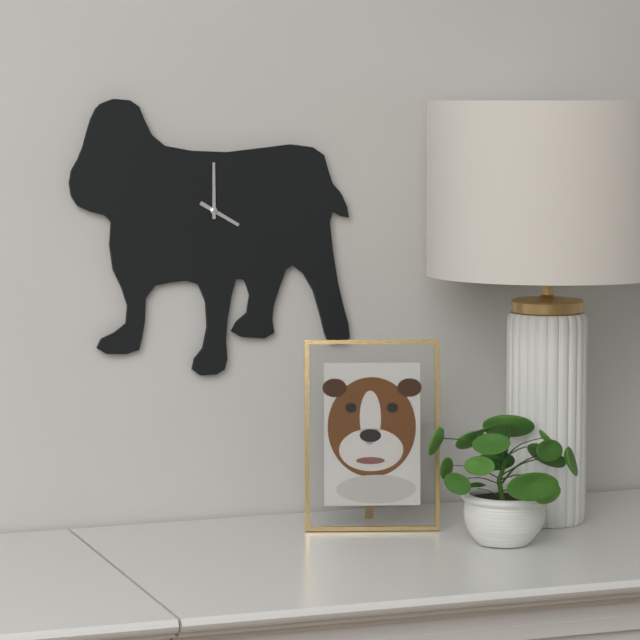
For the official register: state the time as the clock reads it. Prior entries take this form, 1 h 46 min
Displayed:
4 h 00 min
